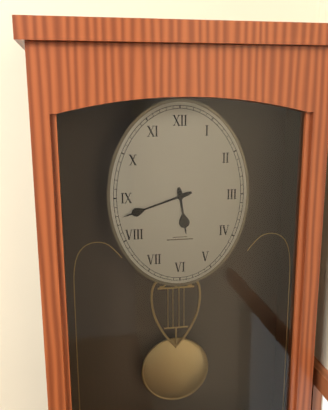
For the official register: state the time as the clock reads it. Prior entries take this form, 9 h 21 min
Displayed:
5 h 42 min
